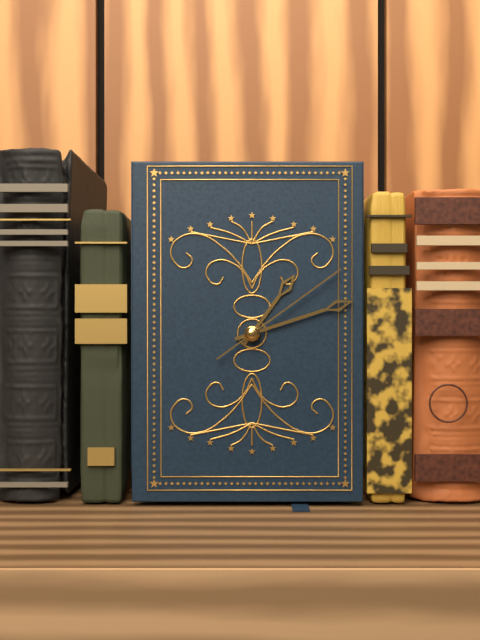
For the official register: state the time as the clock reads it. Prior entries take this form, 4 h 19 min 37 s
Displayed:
1 h 12 min 09 s
